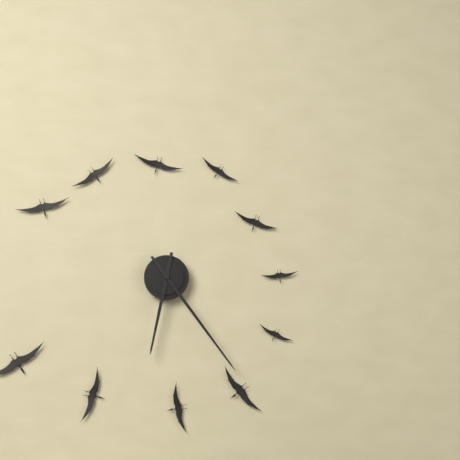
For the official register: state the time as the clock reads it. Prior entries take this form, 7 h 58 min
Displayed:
6 h 24 min
